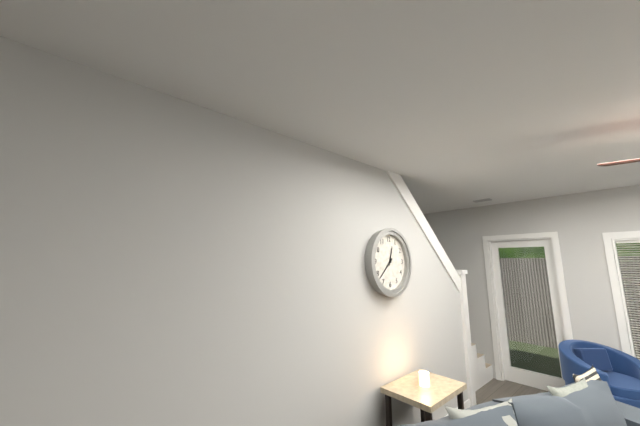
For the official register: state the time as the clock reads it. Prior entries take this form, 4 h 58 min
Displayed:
12 h 38 min
